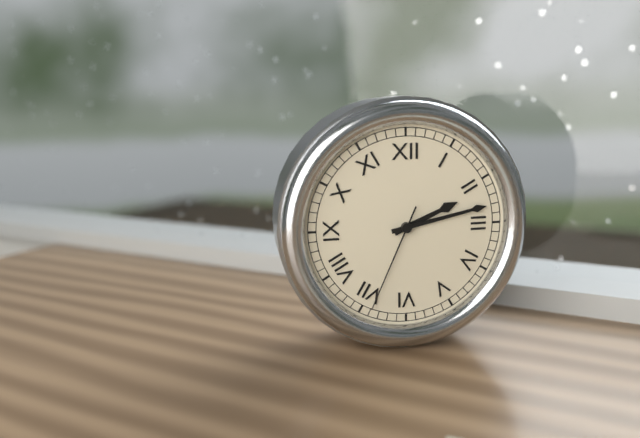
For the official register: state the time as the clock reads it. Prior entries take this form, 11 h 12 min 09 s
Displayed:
2 h 13 min 34 s
